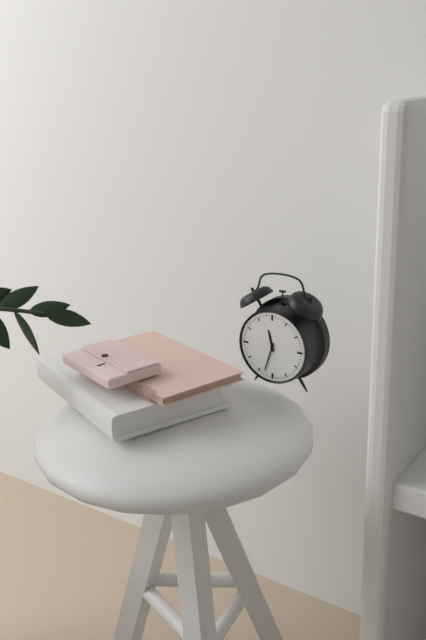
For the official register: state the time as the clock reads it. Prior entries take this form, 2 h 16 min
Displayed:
11 h 33 min
